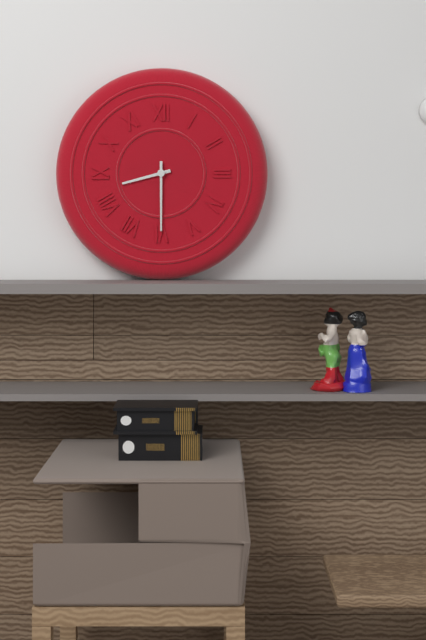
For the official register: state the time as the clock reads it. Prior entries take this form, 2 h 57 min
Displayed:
8 h 30 min
